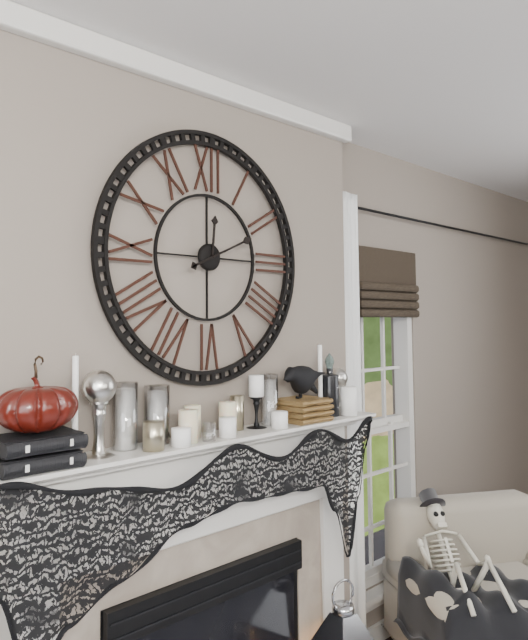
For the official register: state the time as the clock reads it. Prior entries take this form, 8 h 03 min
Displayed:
12 h 11 min
